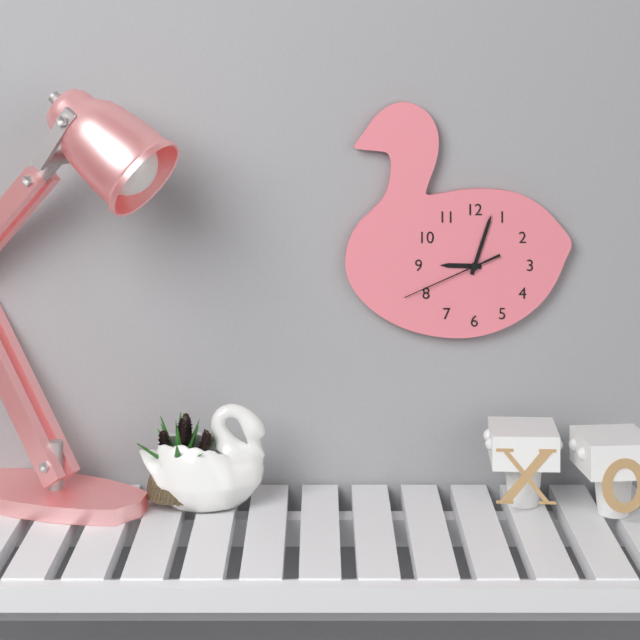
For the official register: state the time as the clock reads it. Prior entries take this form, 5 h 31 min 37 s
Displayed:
9 h 03 min 41 s
